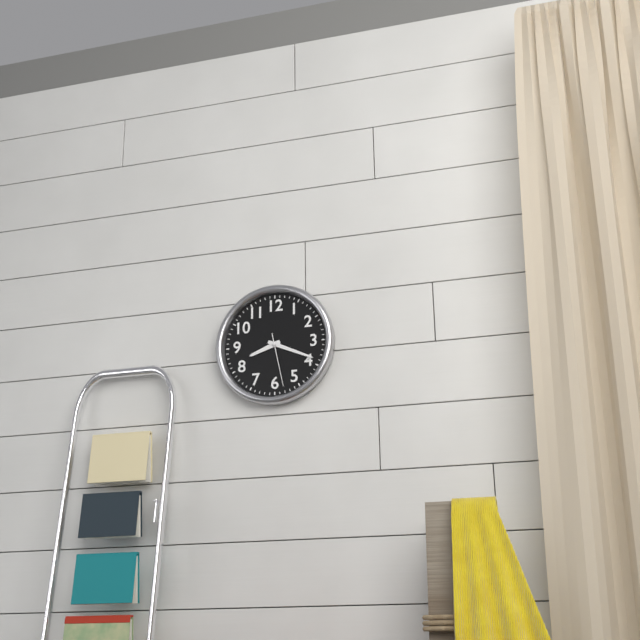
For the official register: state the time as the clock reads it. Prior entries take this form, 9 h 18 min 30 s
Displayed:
8 h 19 min 28 s
